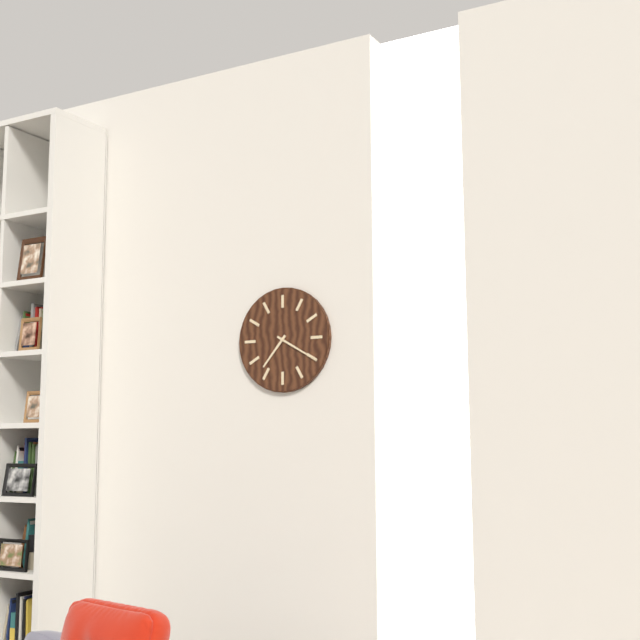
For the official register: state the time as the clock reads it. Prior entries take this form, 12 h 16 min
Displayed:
7 h 20 min
